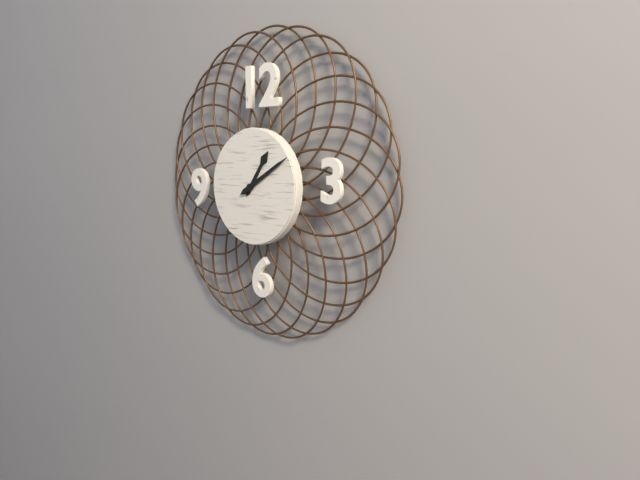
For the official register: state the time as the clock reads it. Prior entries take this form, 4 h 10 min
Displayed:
1 h 10 min
